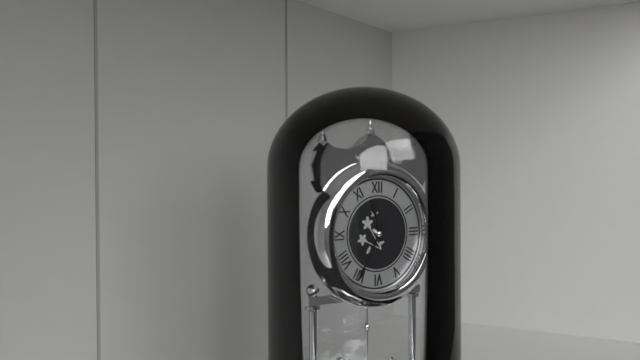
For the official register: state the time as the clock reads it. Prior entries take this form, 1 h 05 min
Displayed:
11 h 35 min
